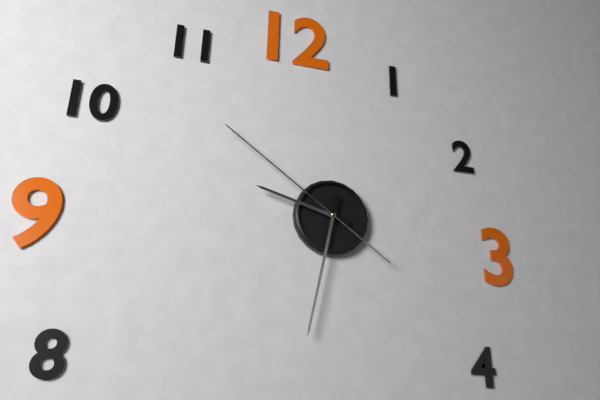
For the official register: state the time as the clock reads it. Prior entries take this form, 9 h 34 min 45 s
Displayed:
9 h 32 min 51 s
